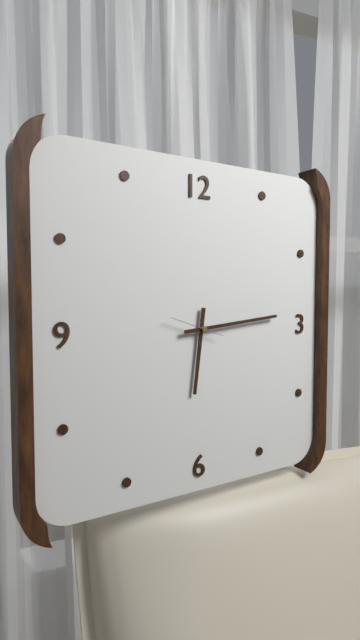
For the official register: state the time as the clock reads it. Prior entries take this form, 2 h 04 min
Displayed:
6 h 14 min
